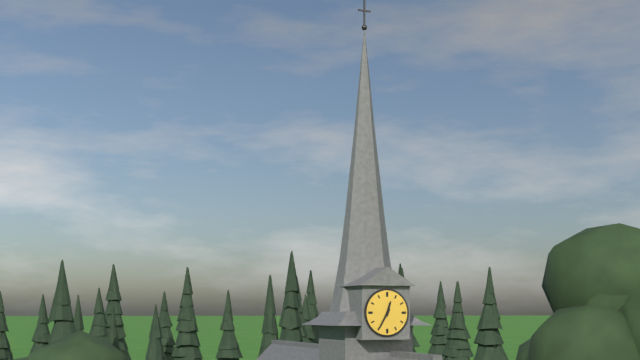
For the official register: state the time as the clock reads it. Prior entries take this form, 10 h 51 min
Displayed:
12 h 35 min
